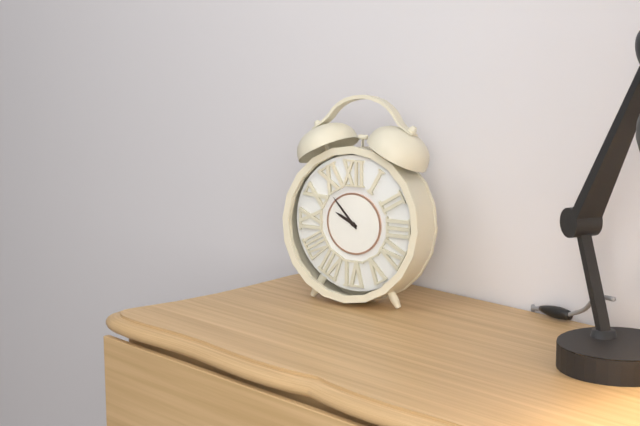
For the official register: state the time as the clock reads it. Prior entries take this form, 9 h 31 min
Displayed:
9 h 53 min
